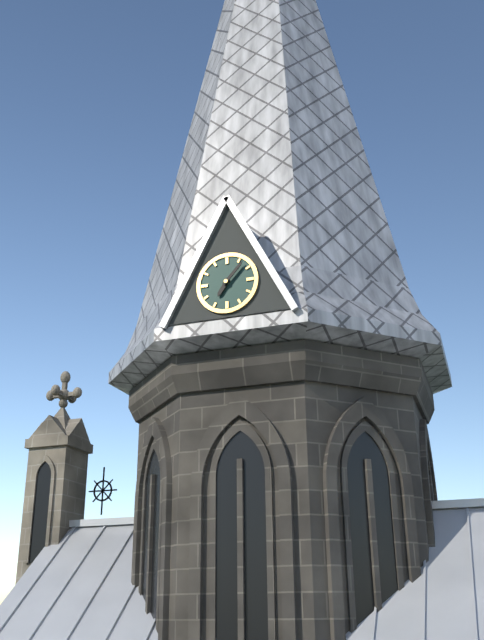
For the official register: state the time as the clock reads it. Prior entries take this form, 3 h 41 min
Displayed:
7 h 07 min
